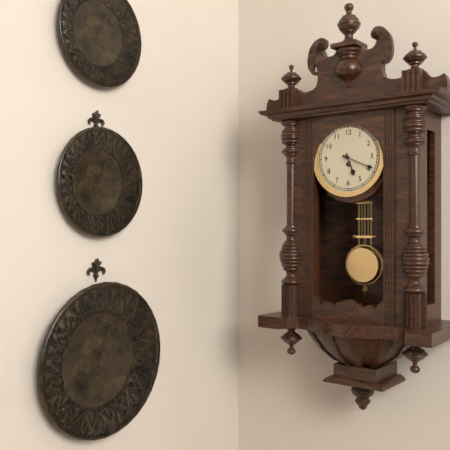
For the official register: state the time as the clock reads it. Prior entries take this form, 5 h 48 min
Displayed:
5 h 19 min
